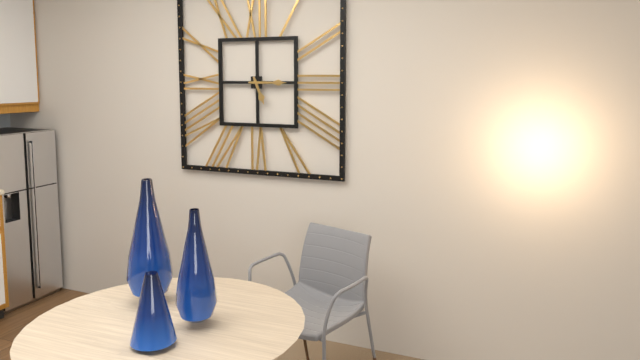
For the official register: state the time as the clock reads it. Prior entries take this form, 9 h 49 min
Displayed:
5 h 15 min
